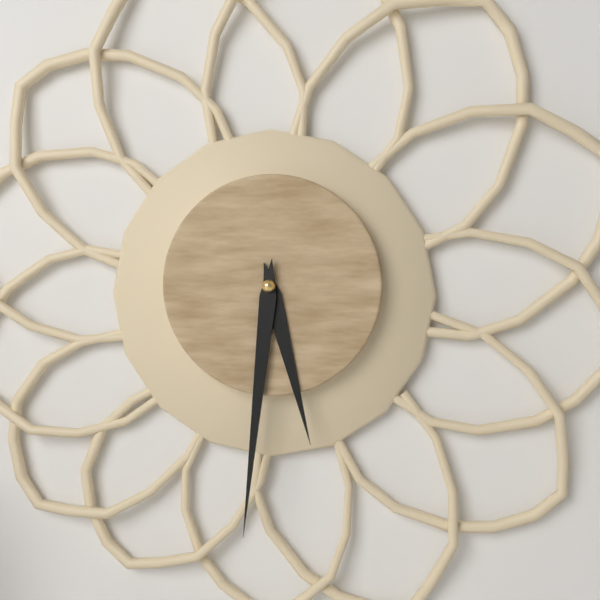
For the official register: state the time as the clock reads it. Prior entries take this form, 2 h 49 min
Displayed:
5 h 31 min
